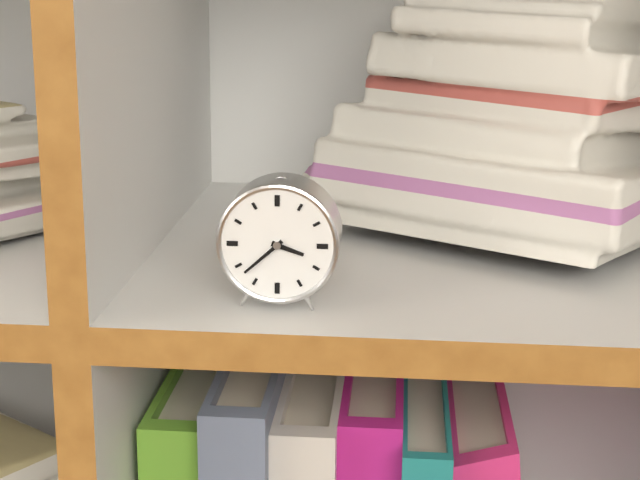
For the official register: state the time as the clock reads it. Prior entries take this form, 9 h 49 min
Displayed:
3 h 38 min
